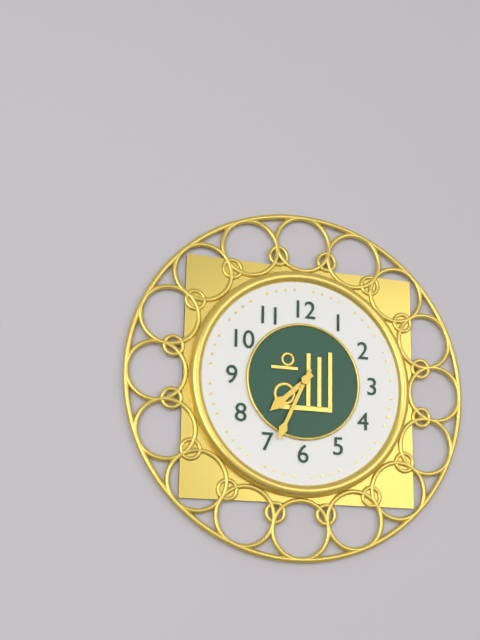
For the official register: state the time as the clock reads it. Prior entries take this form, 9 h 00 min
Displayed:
7 h 34 min
